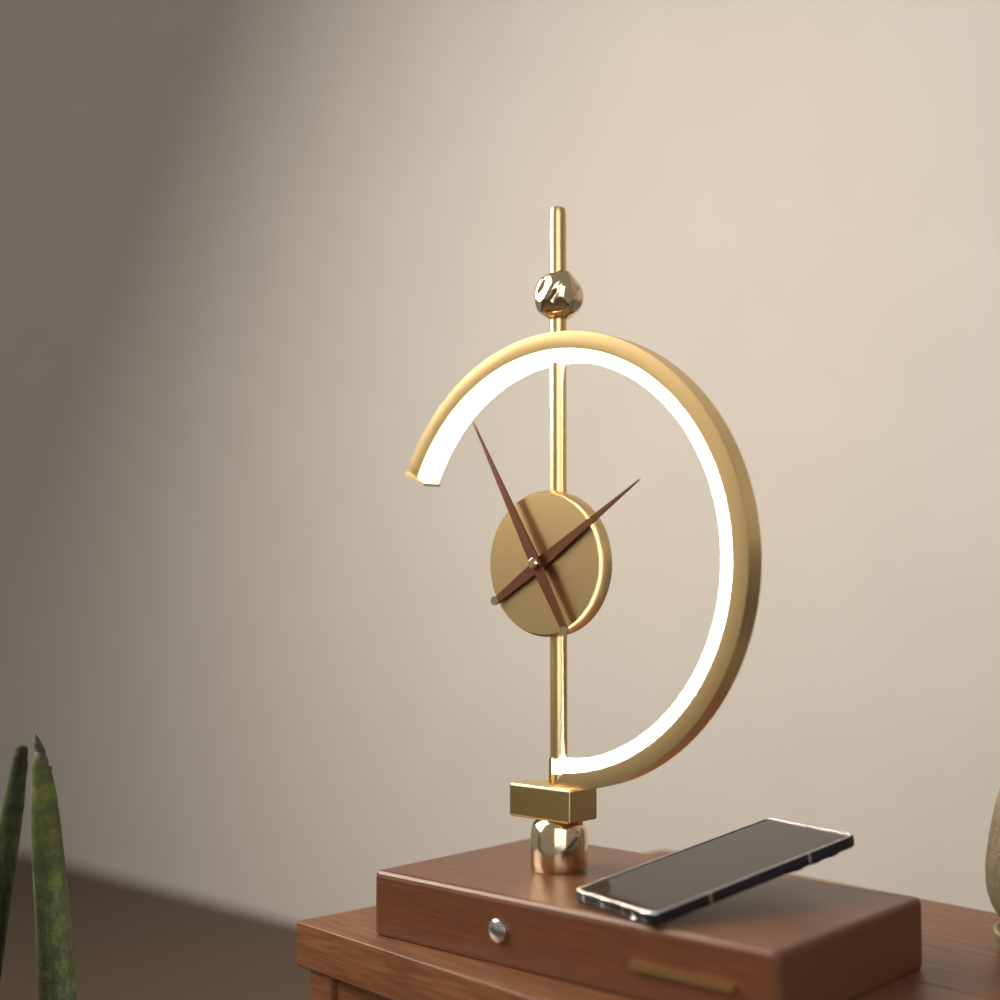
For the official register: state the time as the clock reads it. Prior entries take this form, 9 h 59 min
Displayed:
1 h 55 min
